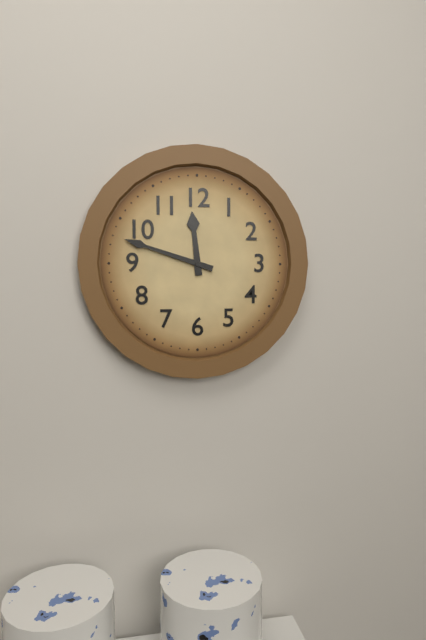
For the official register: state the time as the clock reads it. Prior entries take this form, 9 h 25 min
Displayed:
11 h 48 min
